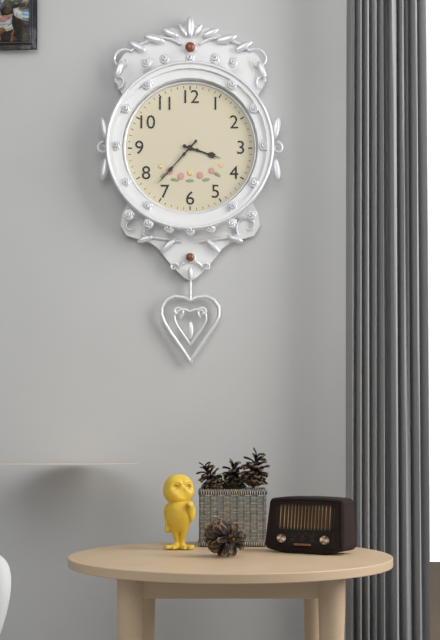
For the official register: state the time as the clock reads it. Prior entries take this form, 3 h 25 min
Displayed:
3 h 37 min
